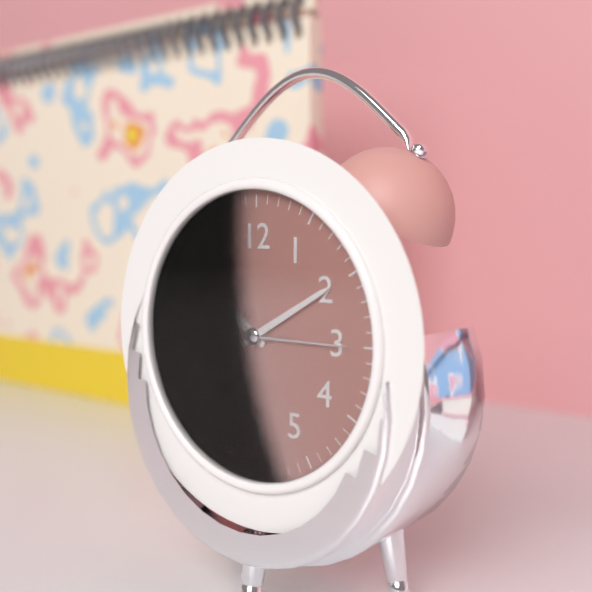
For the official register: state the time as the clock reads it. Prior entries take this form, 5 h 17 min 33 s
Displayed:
10 h 10 min 15 s
